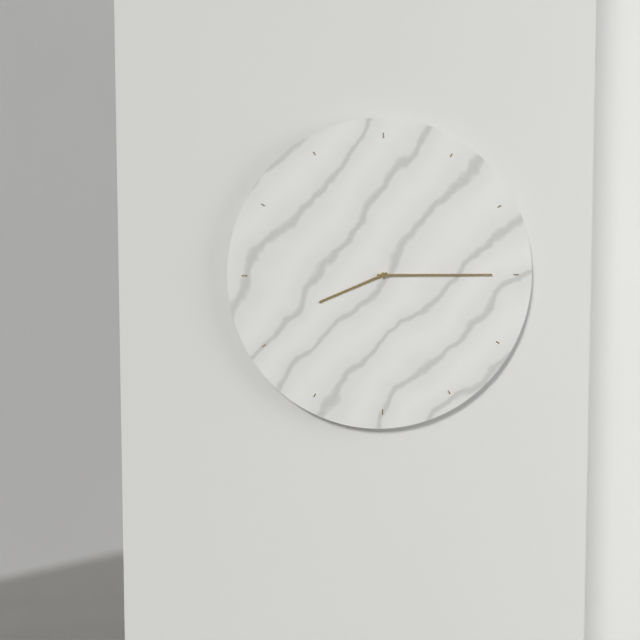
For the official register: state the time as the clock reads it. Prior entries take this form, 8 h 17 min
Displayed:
8 h 15 min
